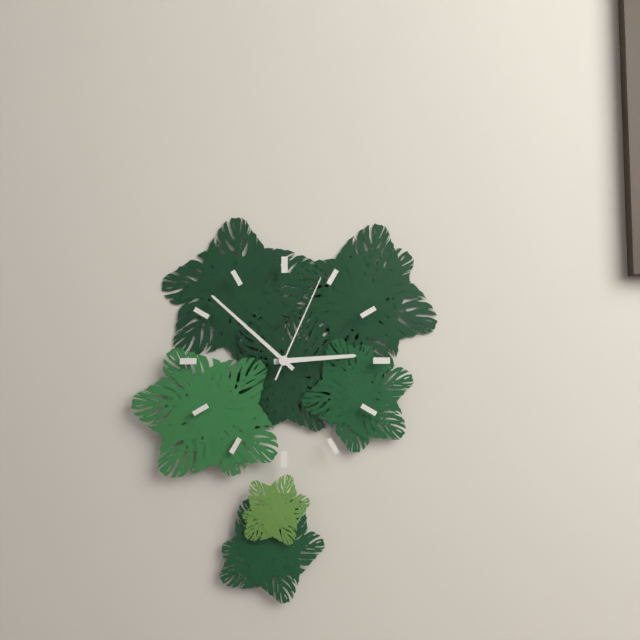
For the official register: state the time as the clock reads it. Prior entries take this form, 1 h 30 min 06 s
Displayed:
2 h 52 min 04 s
